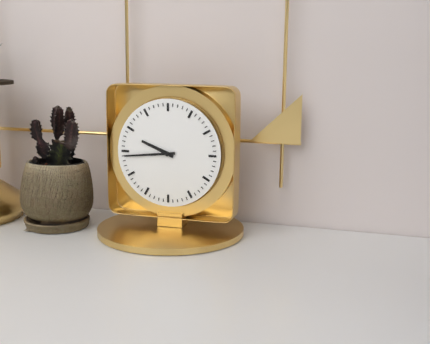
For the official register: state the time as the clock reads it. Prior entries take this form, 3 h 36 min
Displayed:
9 h 44 min
